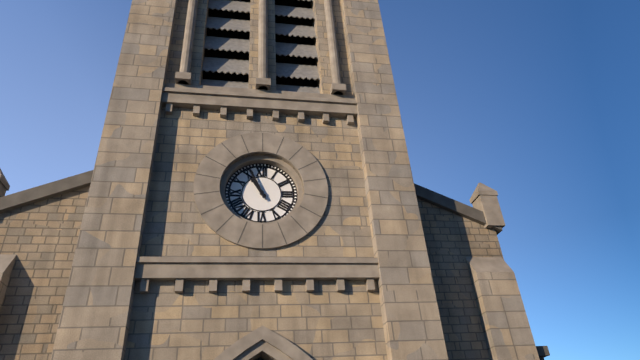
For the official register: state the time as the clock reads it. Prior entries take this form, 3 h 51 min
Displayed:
10 h 56 min
